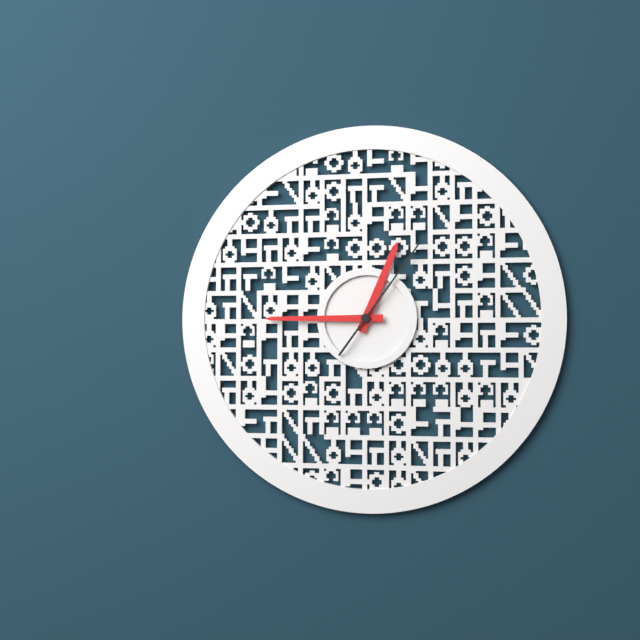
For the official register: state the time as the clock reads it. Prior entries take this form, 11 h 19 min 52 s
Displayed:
12 h 45 min 06 s
